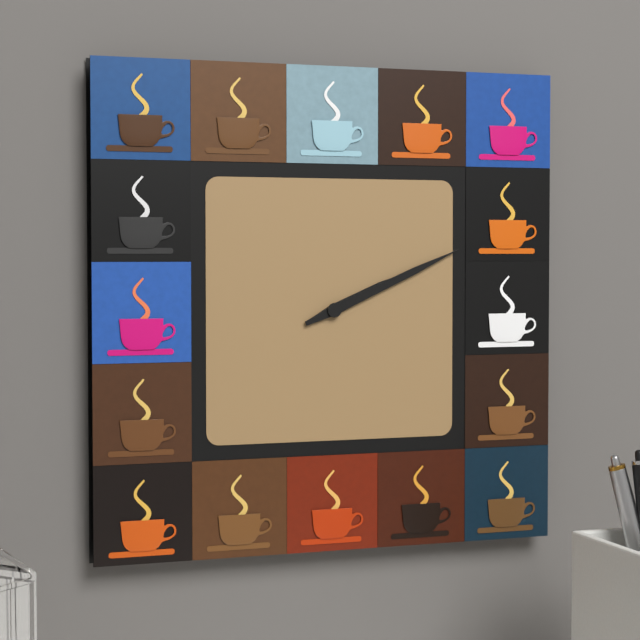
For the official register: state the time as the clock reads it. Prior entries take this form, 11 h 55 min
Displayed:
2 h 11 min
